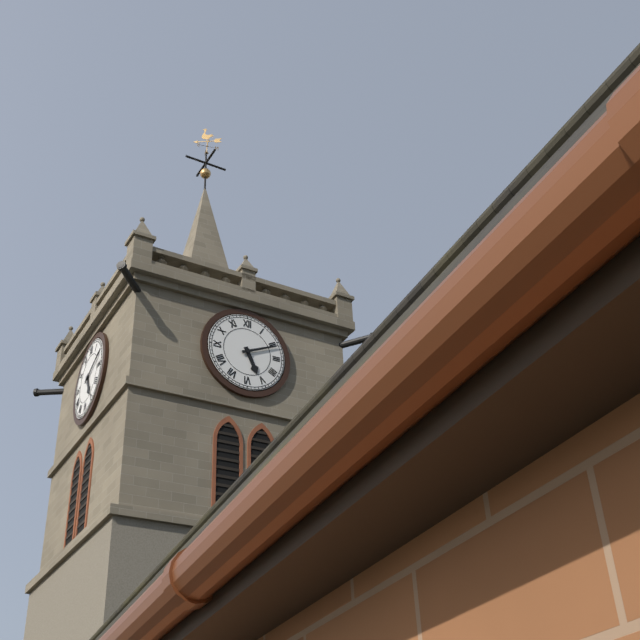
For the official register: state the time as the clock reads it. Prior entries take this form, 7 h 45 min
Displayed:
5 h 11 min
